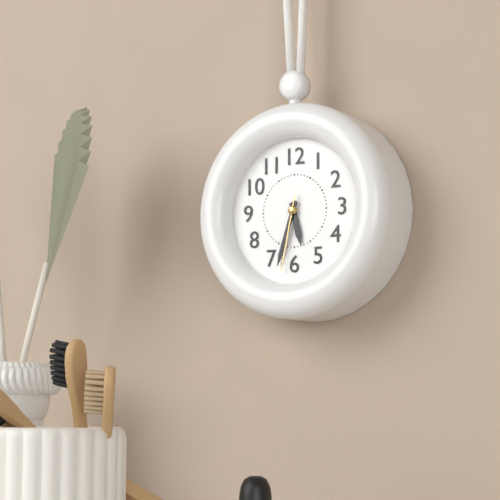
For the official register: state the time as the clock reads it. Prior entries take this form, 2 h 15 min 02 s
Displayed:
5 h 33 min 32 s
